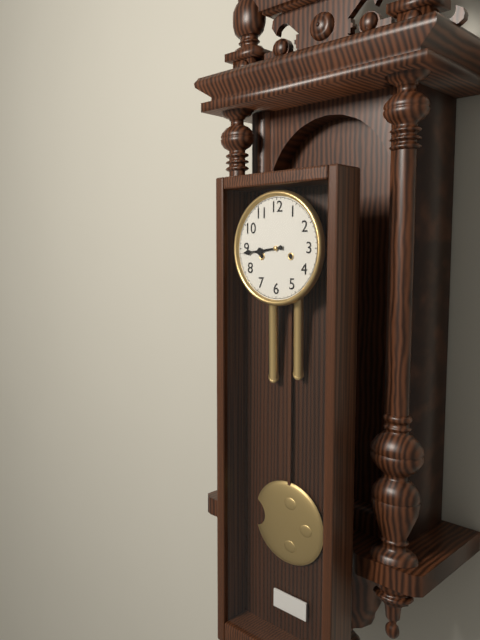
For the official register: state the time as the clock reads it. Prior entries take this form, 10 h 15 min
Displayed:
8 h 44 min
